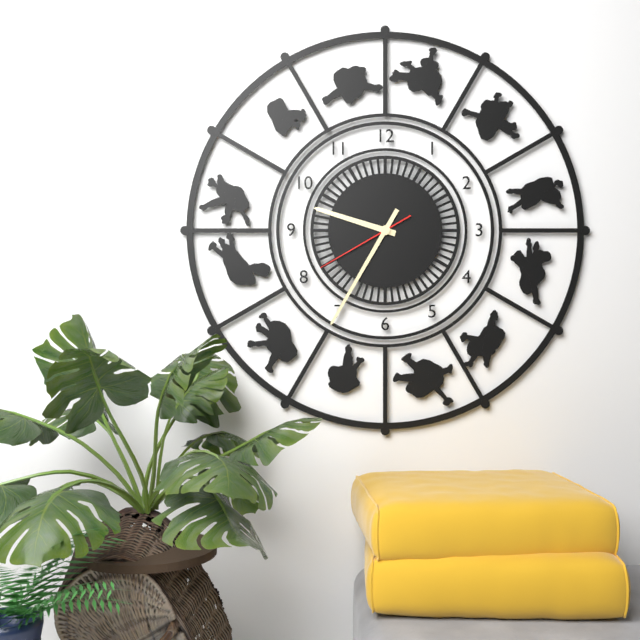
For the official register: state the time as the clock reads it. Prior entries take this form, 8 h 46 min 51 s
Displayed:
9 h 35 min 40 s
